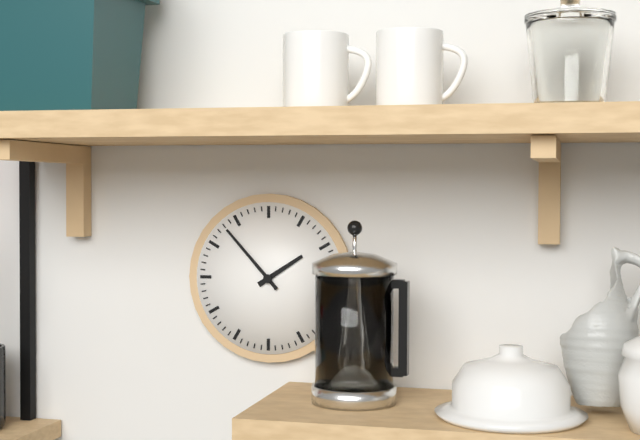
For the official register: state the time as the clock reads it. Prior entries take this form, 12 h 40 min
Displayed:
1 h 53 min
